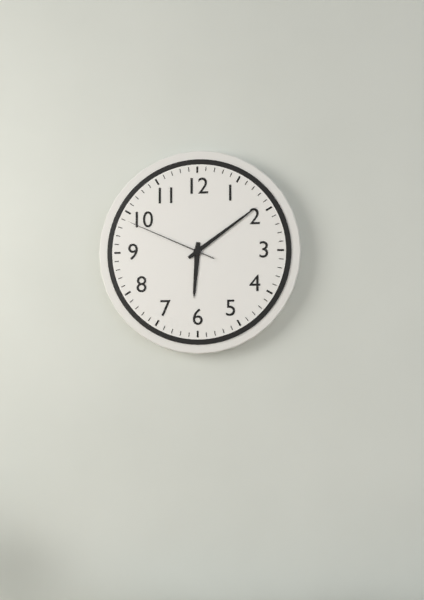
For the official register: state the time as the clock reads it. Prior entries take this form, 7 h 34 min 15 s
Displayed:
6 h 09 min 49 s
